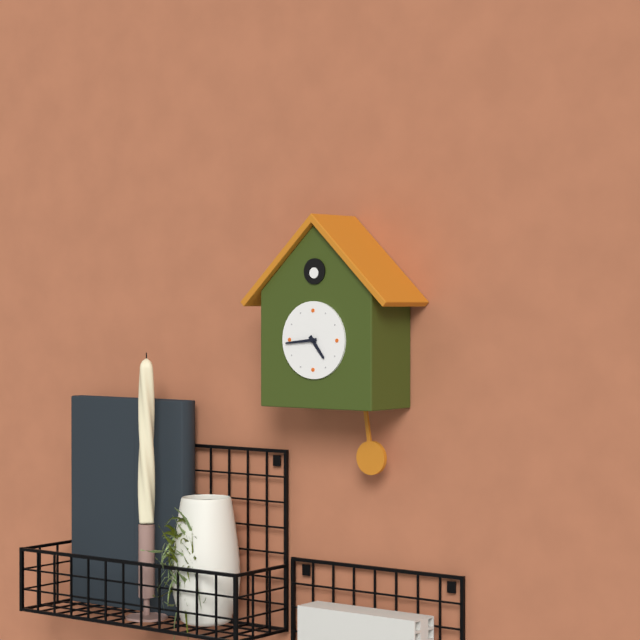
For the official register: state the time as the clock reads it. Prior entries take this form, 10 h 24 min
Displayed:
4 h 44 min
